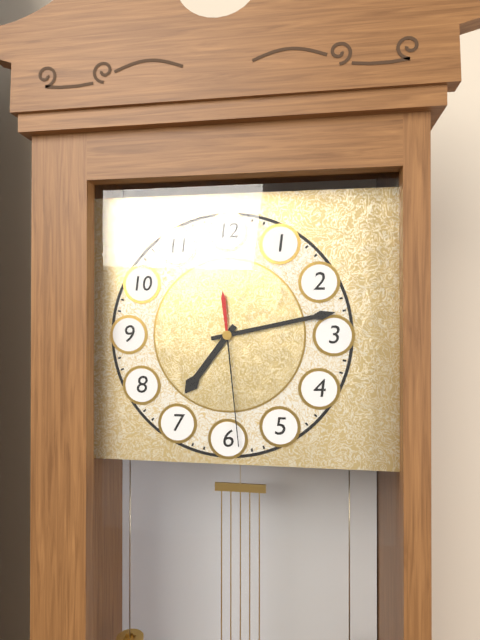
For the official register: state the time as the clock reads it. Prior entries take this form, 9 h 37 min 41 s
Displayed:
7 h 13 min 29 s
